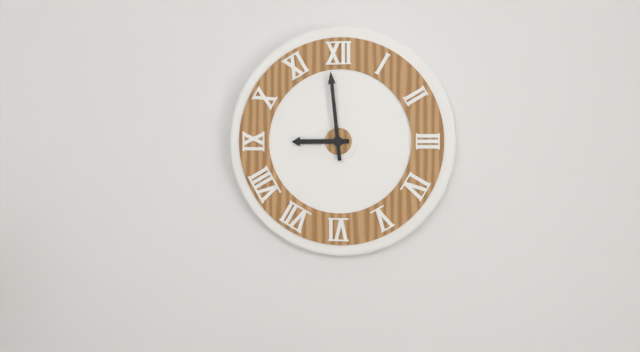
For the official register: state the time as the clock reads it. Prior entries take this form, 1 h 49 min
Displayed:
8 h 59 min
